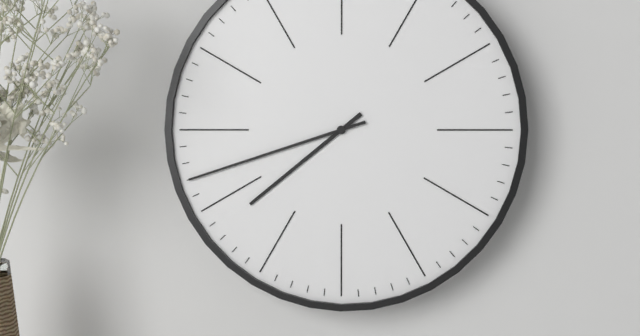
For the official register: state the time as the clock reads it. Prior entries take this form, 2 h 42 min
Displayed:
7 h 42 min
